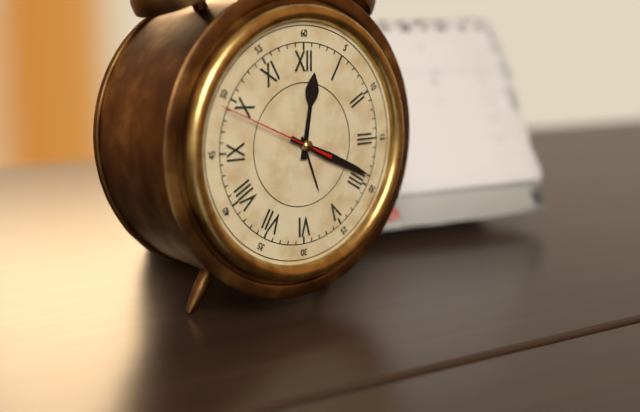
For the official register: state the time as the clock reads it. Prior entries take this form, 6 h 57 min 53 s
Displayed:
12 h 19 min 49 s
